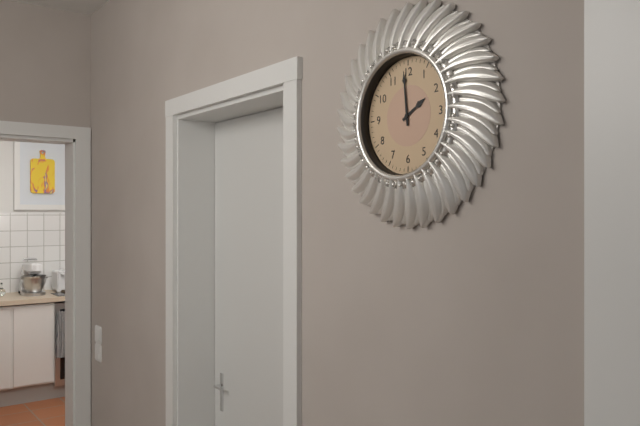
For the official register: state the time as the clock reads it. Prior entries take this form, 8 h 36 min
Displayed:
1 h 59 min
